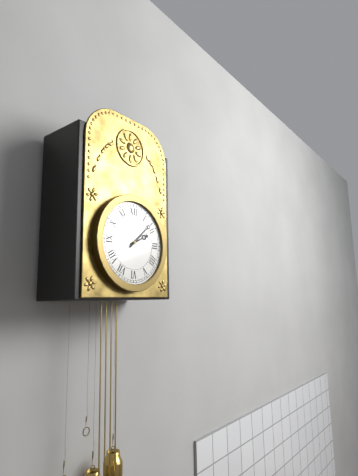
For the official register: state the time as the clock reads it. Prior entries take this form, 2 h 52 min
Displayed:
2 h 08 min
